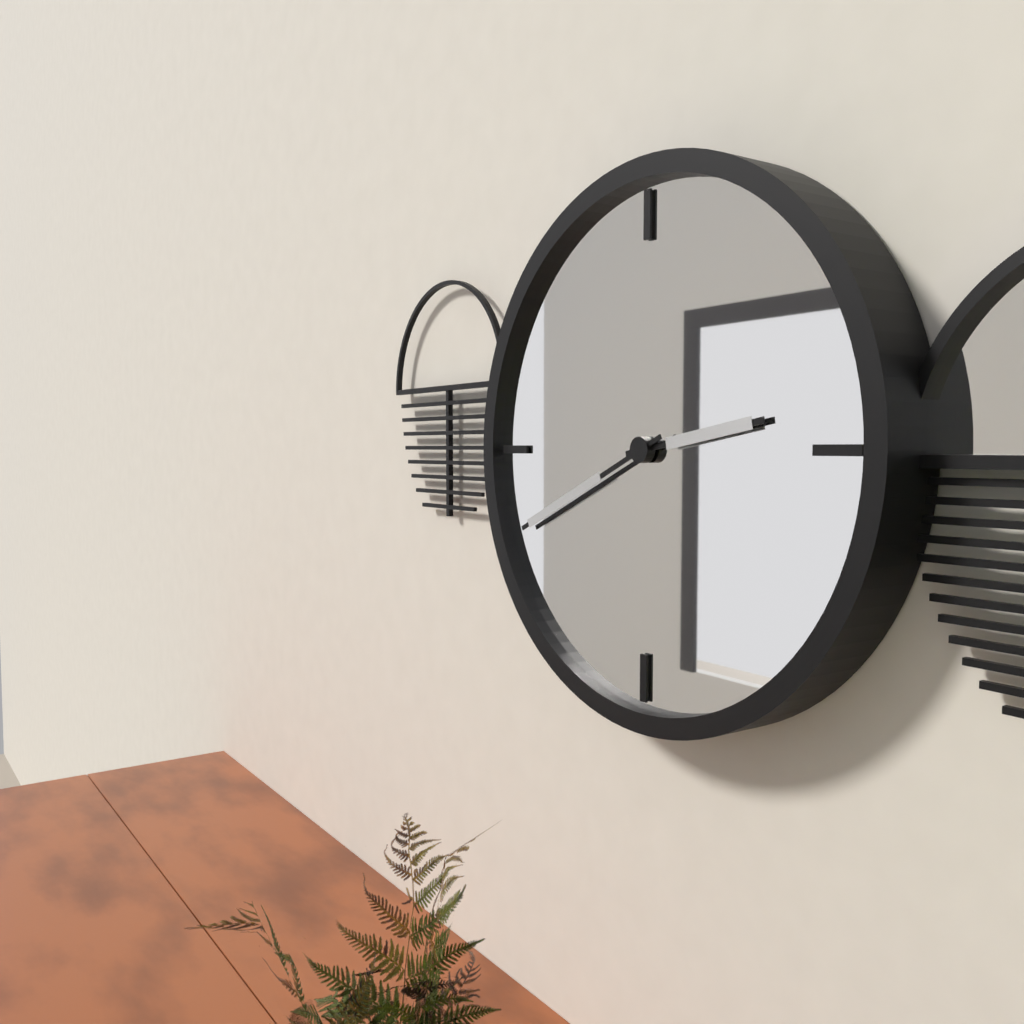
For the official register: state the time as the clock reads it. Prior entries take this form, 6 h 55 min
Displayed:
2 h 41 min
